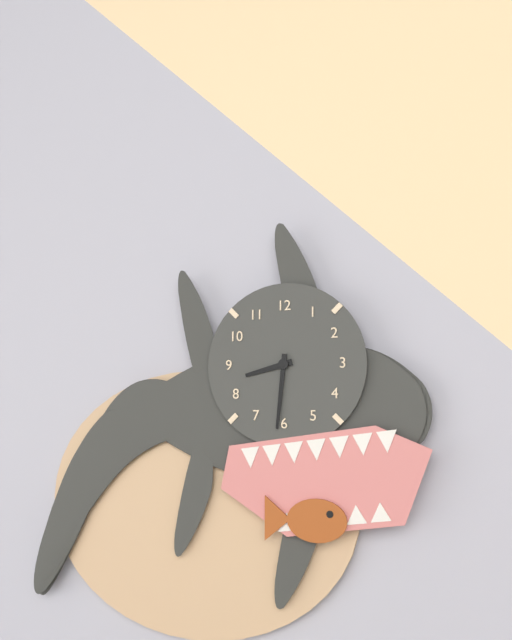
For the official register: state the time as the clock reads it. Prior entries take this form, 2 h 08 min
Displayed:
8 h 31 min
